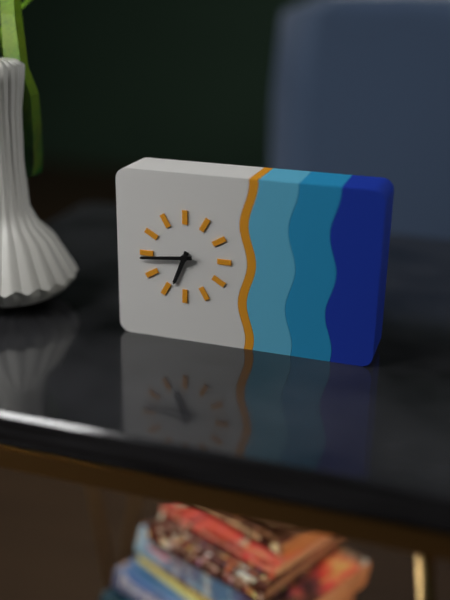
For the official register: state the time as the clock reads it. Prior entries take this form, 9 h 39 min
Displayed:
6 h 44 min
